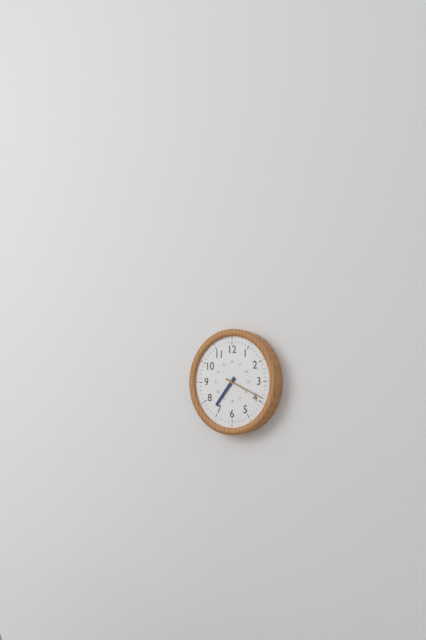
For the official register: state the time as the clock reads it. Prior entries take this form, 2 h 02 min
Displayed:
7 h 19 min
